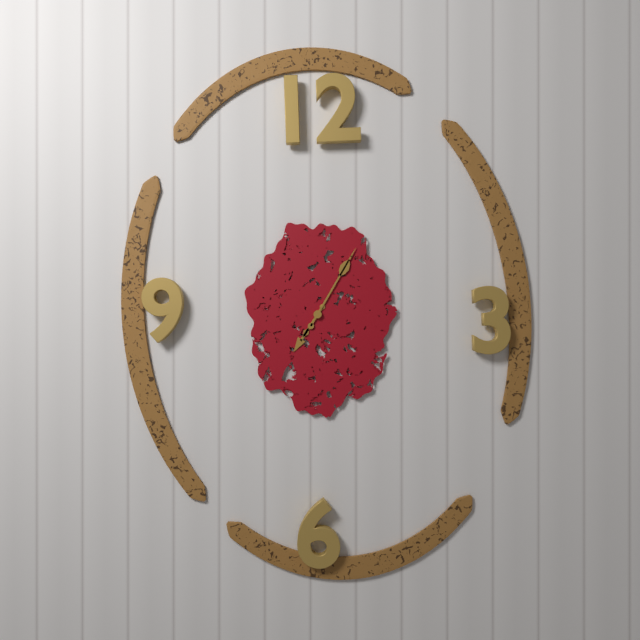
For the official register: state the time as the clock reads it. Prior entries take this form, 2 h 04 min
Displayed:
7 h 05 min
